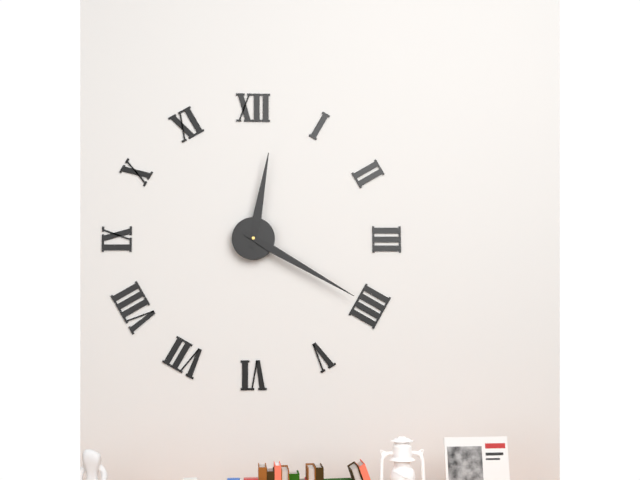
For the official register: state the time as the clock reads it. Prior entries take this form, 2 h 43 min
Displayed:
12 h 20 min
